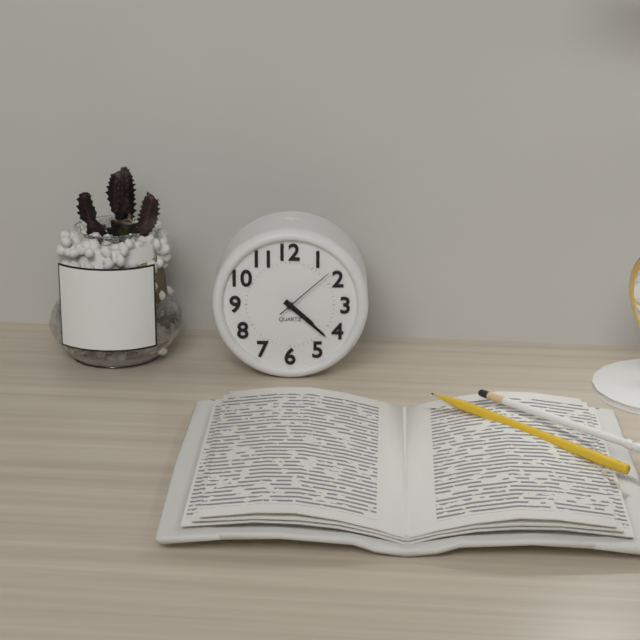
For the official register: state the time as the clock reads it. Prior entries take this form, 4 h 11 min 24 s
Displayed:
4 h 22 min 08 s
